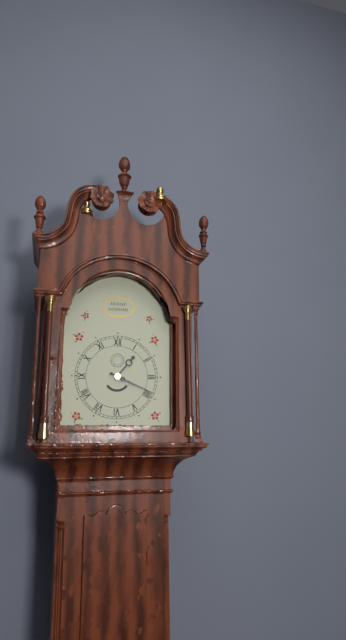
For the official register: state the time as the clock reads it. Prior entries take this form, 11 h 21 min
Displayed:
1 h 19 min
